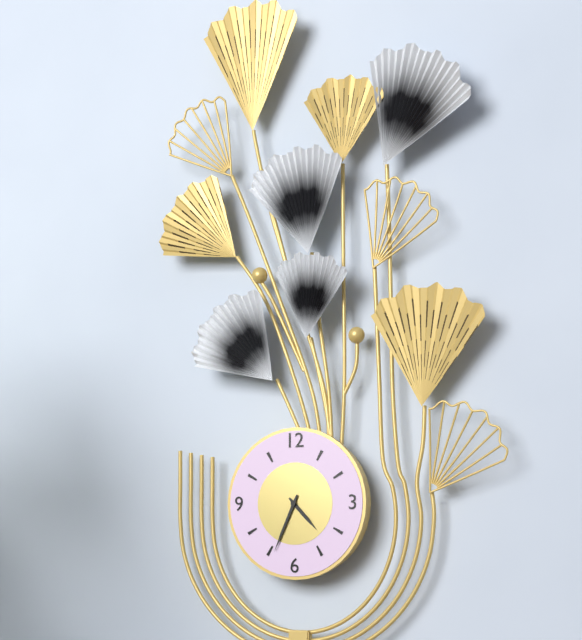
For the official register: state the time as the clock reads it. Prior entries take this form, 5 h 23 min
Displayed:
4 h 34 min
